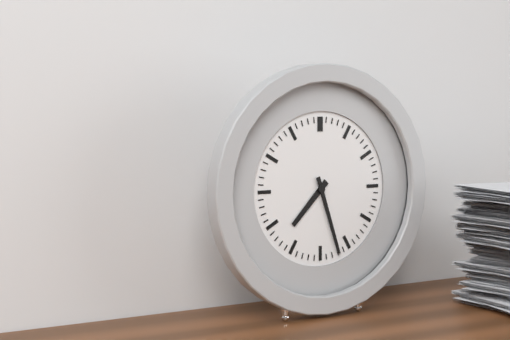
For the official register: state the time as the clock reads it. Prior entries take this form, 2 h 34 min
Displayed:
7 h 27 min
